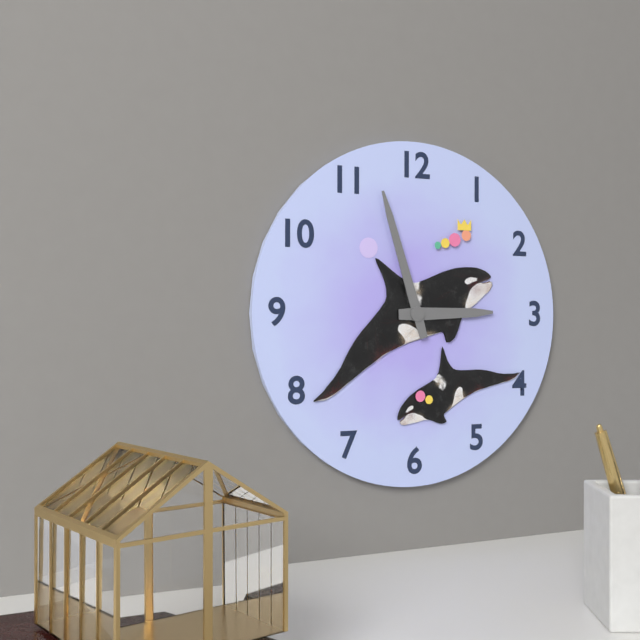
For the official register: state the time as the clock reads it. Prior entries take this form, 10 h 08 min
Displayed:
2 h 57 min
